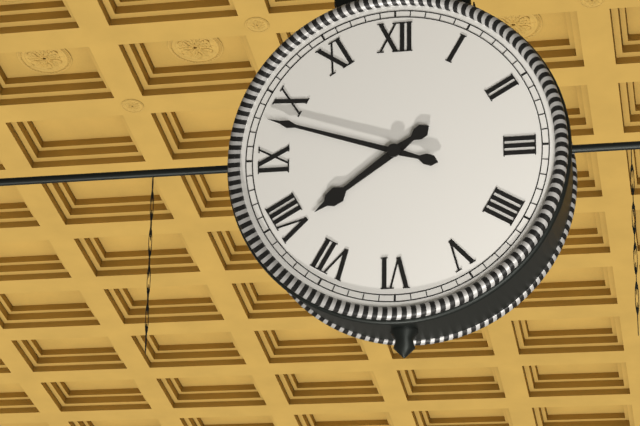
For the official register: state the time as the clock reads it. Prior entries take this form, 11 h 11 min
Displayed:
7 h 48 min
